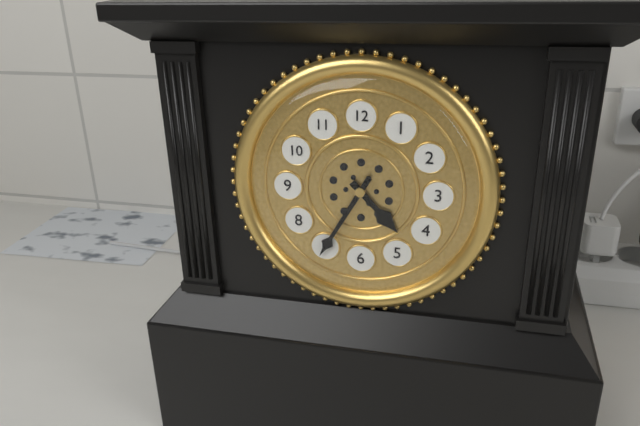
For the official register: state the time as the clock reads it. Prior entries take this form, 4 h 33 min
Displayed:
4 h 35 min
